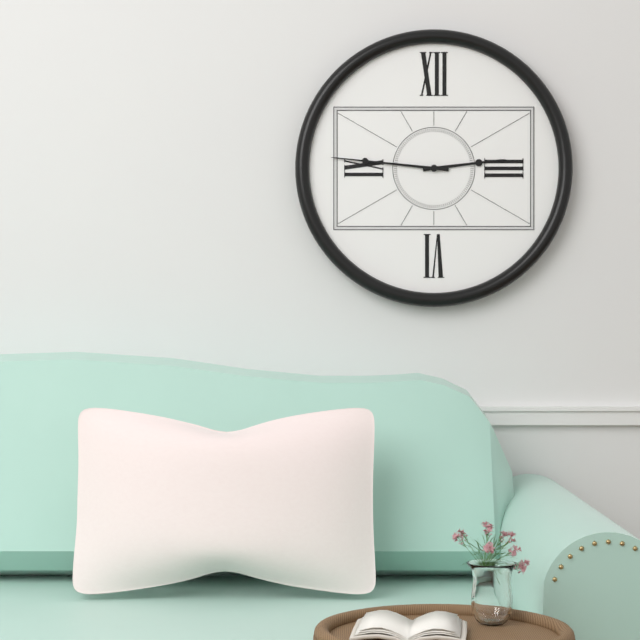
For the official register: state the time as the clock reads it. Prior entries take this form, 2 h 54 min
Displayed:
2 h 46 min
